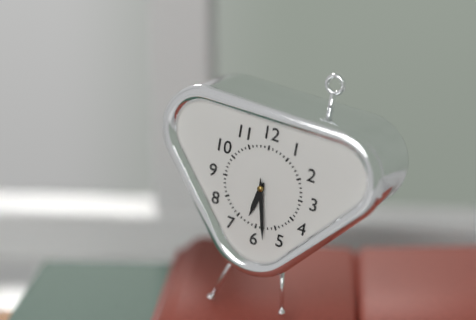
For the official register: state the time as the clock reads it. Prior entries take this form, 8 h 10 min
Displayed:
6 h 28 min
